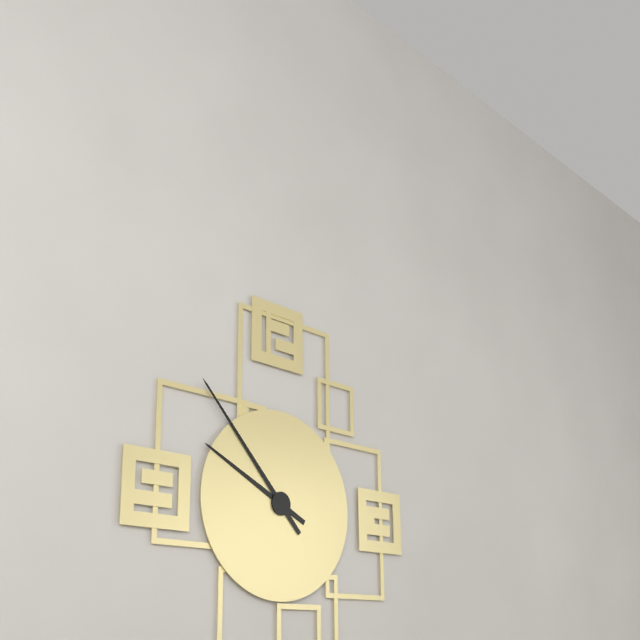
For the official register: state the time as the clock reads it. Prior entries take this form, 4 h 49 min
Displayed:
9 h 53 min
